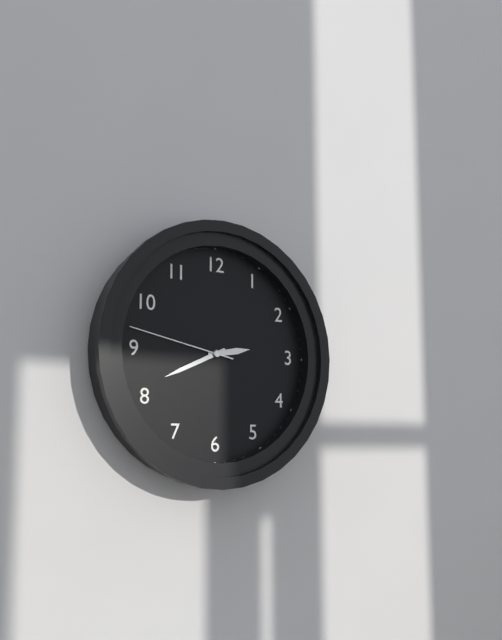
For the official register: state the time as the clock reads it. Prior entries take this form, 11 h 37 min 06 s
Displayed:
2 h 41 min 47 s
